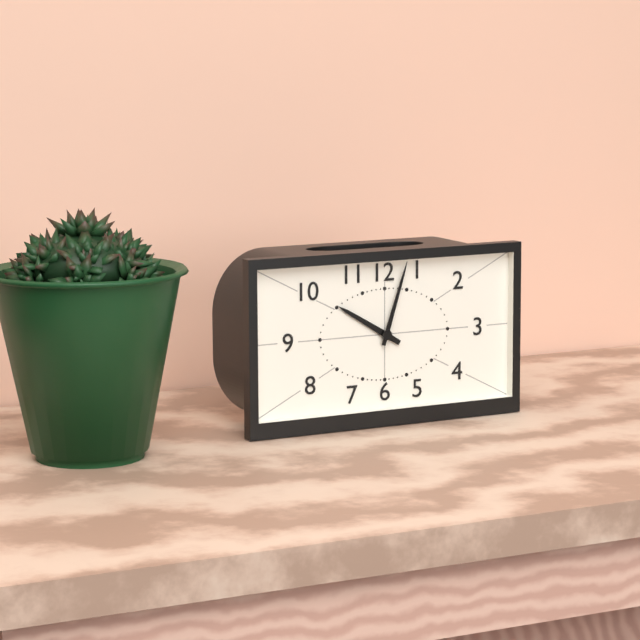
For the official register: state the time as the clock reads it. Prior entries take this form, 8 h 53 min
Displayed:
10 h 03 min
